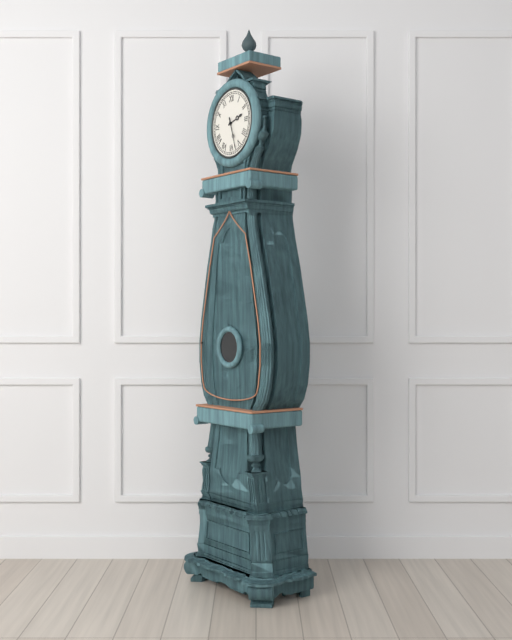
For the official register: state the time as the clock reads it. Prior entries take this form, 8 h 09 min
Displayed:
2 h 27 min
